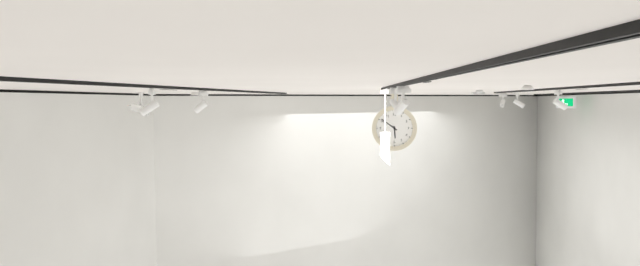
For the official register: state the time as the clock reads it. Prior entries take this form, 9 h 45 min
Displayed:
5 h 51 min
